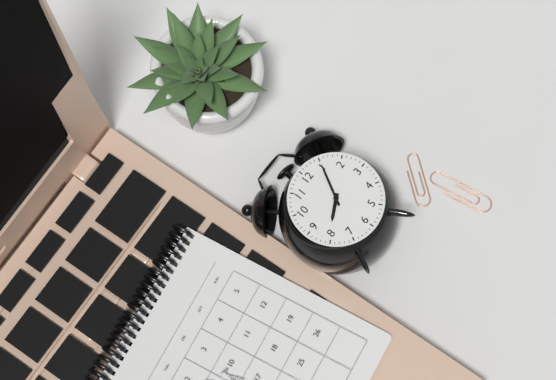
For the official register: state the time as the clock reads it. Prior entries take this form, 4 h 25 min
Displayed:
8 h 05 min
